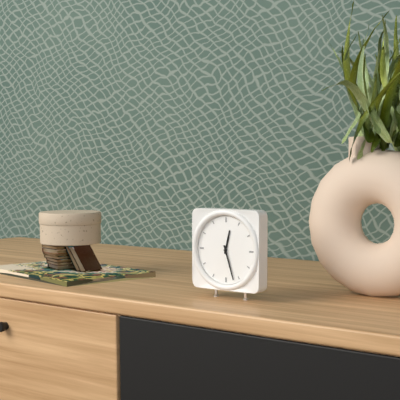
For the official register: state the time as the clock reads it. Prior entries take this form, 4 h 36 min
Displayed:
12 h 27 min
